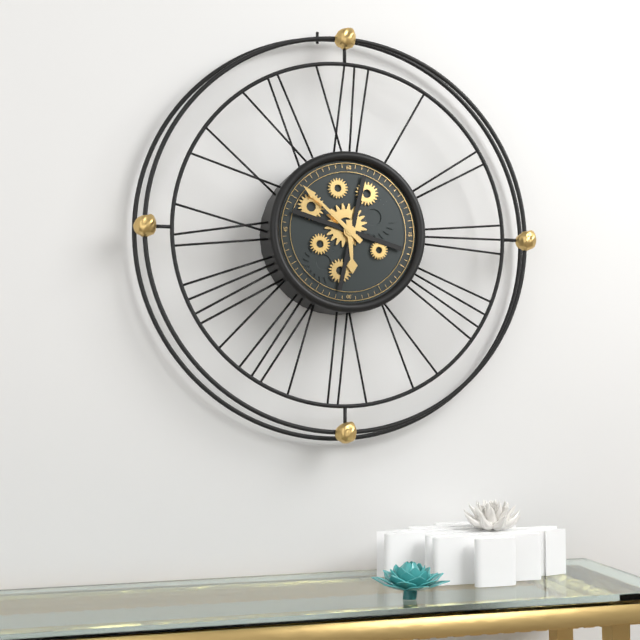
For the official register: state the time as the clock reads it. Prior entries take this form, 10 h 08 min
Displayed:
5 h 52 min
